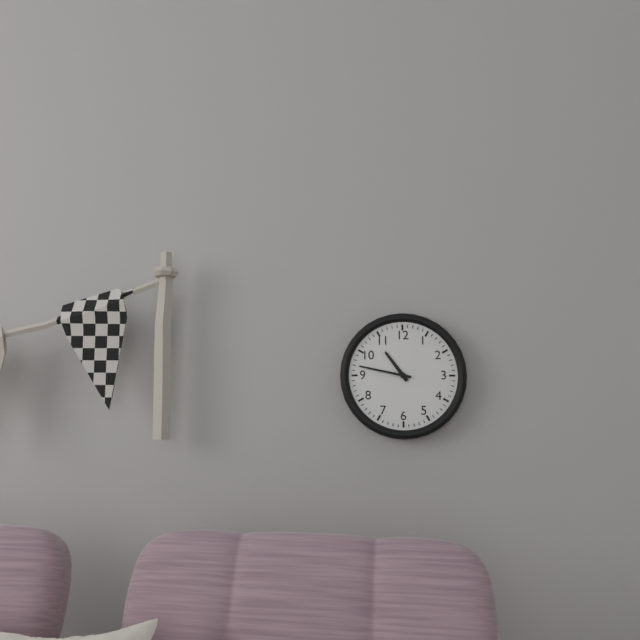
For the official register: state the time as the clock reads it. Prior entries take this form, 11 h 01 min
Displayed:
10 h 47 min
